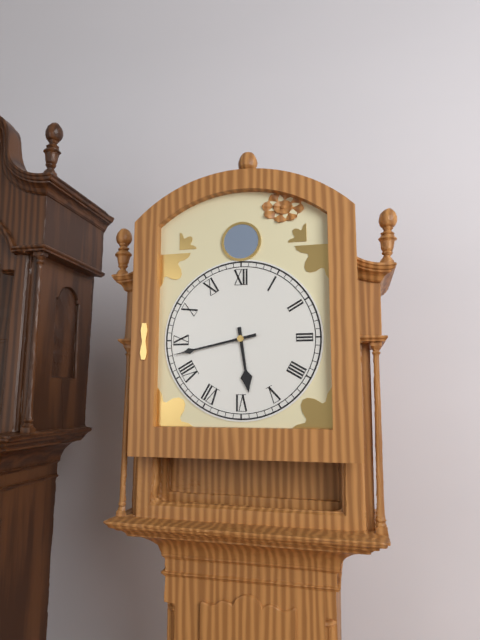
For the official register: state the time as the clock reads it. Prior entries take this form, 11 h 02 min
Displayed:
5 h 43 min
